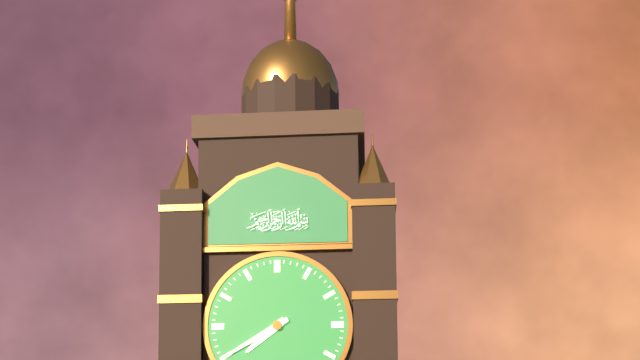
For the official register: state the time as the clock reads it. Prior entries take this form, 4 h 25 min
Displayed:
7 h 40 min
